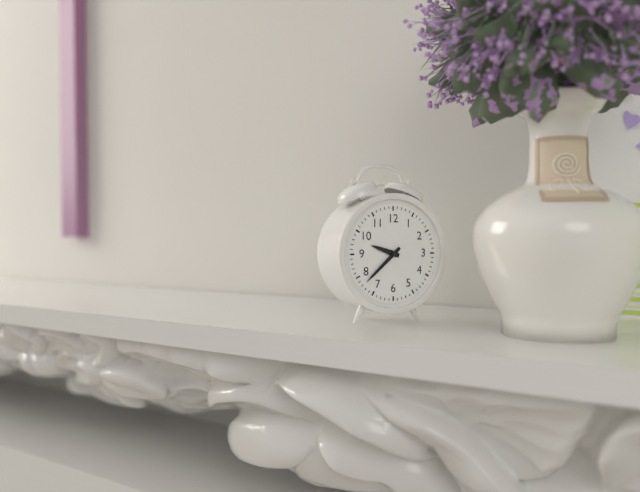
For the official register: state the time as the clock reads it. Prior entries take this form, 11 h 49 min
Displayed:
9 h 38 min
